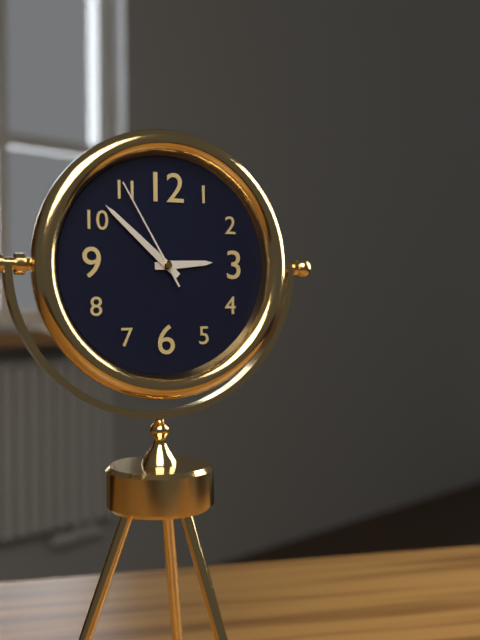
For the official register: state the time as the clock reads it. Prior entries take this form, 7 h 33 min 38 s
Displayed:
2 h 52 min 55 s
